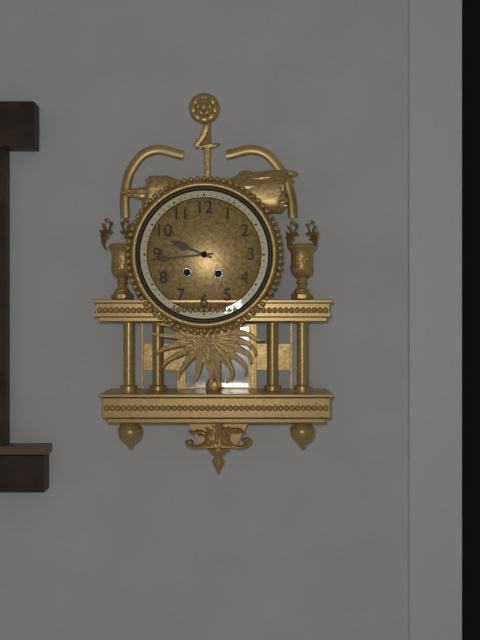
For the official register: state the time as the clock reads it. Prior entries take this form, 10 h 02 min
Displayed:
9 h 44 min
